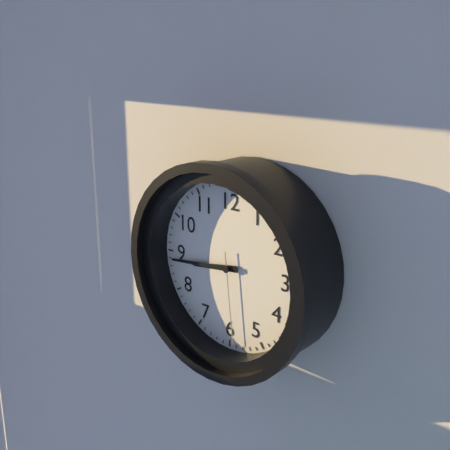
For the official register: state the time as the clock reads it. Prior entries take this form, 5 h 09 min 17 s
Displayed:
8 h 44 min 29 s
